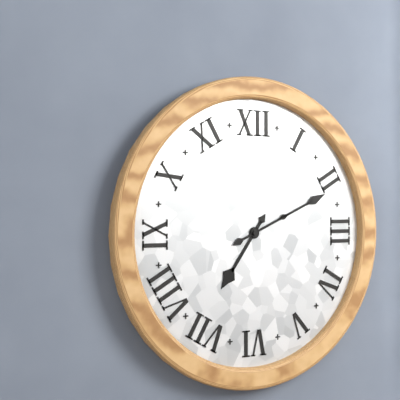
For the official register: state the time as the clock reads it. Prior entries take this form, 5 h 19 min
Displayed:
7 h 11 min
